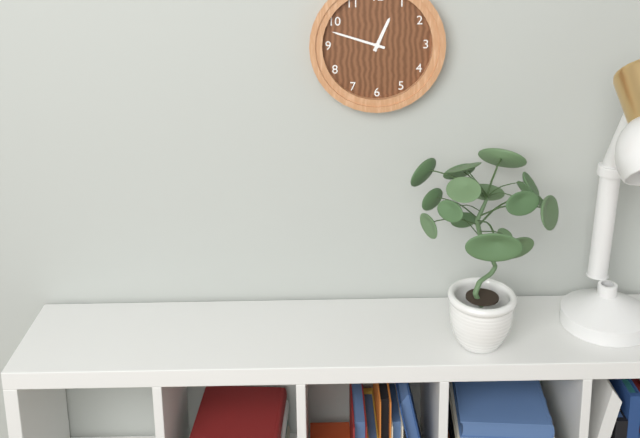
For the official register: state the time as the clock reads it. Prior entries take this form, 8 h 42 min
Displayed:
12 h 48 min
